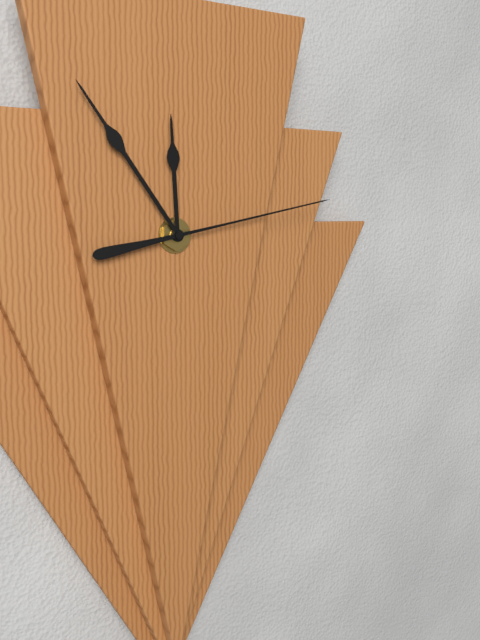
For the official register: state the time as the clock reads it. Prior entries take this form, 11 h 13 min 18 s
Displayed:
11 h 54 min 13 s
